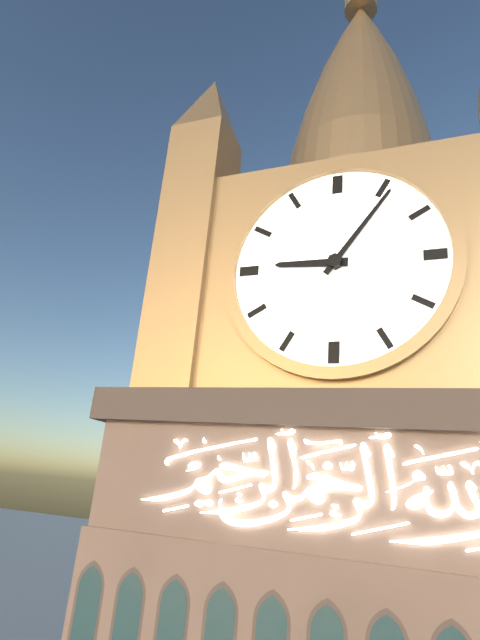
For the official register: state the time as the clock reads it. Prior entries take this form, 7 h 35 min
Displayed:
9 h 06 min
